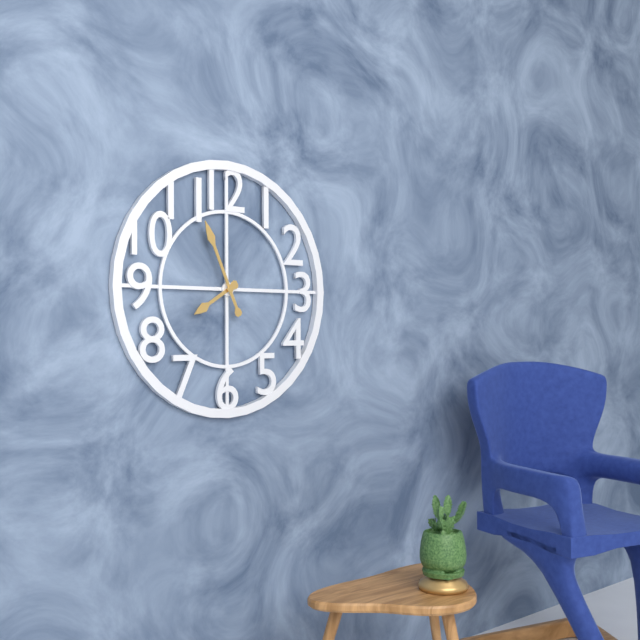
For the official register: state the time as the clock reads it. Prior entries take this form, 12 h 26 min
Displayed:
7 h 56 min
